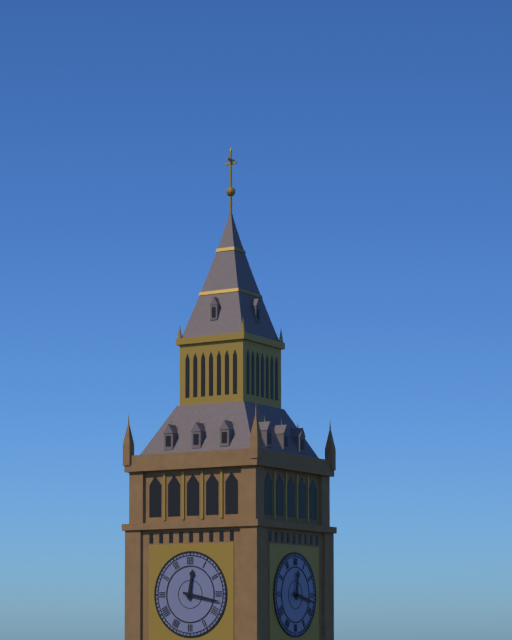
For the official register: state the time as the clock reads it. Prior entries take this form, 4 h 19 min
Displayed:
12 h 17 min
